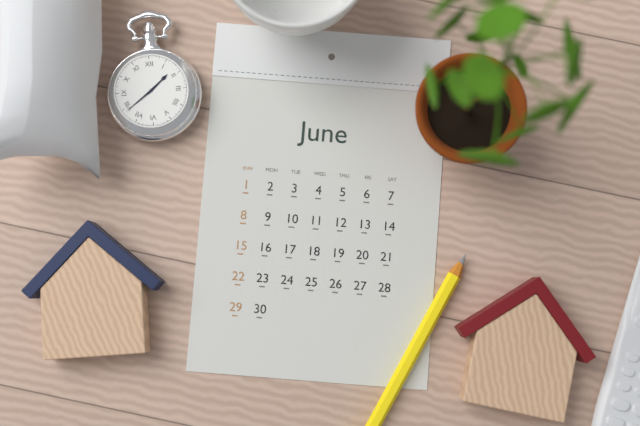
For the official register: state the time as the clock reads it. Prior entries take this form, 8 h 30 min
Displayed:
1 h 39 min
